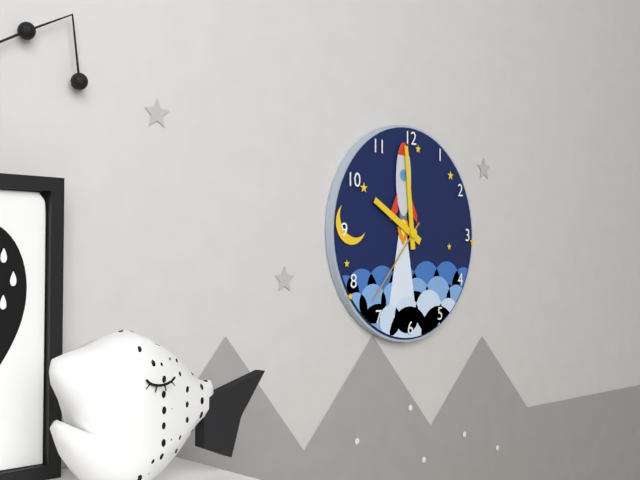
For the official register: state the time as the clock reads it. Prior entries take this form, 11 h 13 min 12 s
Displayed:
9 h 59 min 37 s
